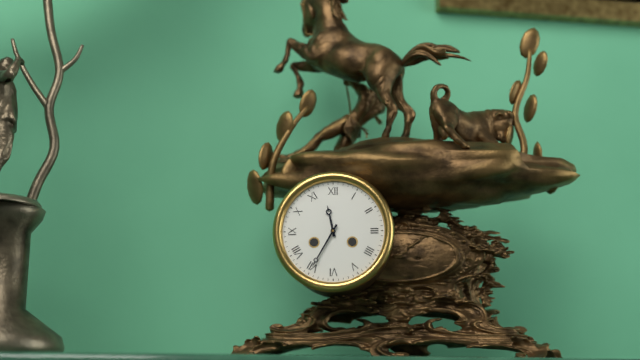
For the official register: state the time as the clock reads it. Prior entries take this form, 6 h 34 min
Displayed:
11 h 35 min
